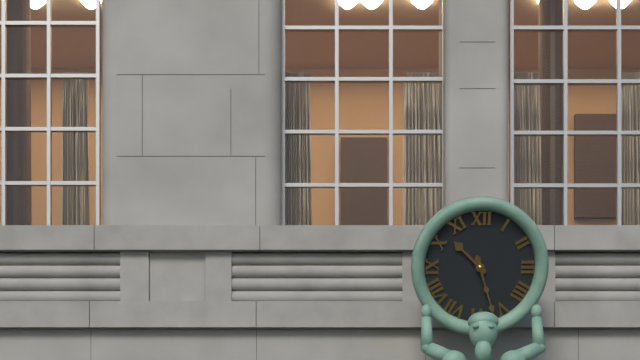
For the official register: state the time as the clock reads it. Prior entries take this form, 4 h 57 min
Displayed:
10 h 27 min
